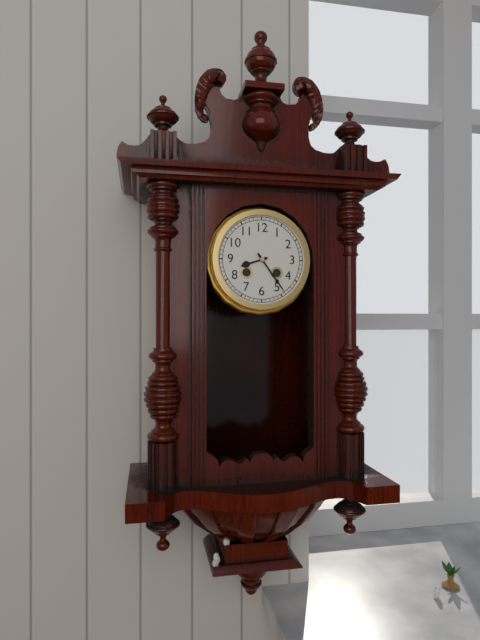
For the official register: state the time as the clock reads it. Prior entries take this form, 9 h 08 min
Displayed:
8 h 24 min
